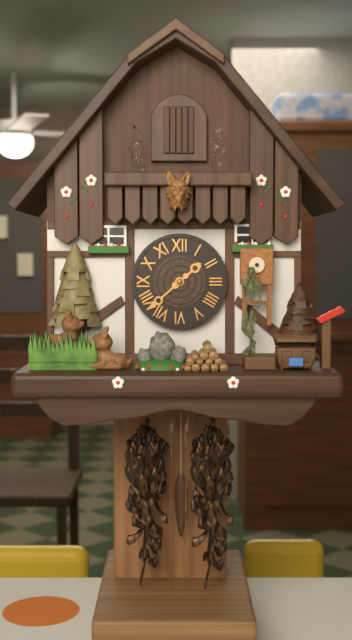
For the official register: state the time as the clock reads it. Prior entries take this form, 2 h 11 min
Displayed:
1 h 38 min
